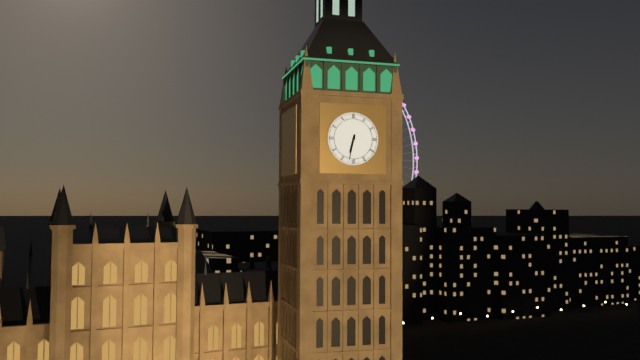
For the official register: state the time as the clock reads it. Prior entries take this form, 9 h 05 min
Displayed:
6 h 32 min
